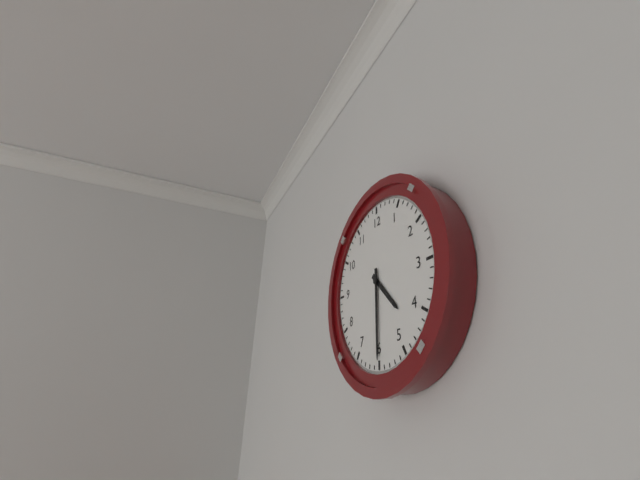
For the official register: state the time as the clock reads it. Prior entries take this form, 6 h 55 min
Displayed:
4 h 30 min
